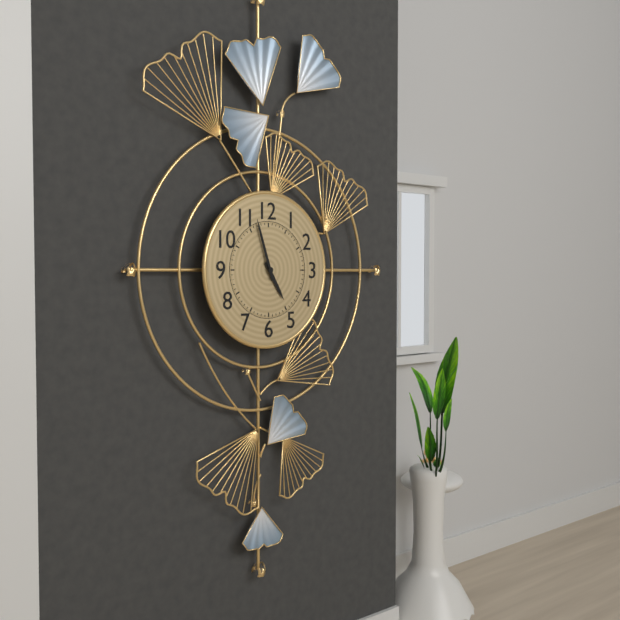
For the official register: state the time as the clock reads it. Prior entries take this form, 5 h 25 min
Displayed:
4 h 57 min
